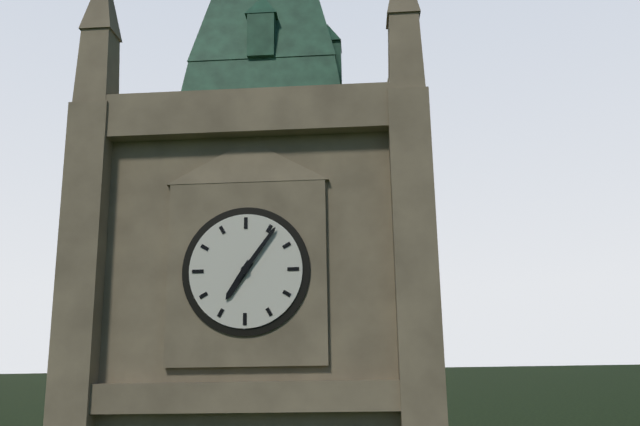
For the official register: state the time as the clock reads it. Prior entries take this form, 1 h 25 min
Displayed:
7 h 06 min
